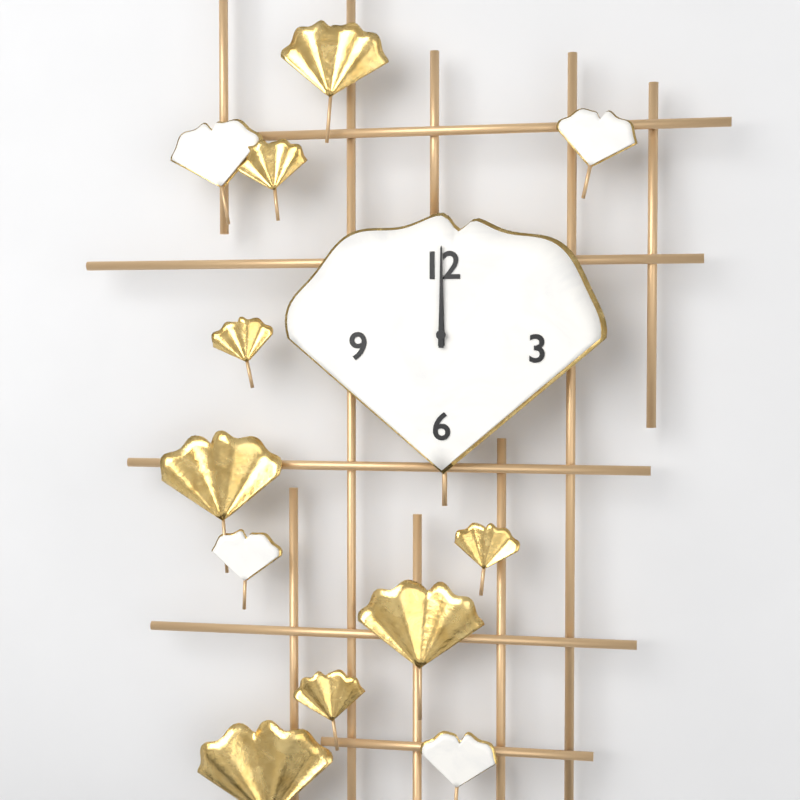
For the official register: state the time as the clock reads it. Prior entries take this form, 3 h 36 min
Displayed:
12 h 00 min
